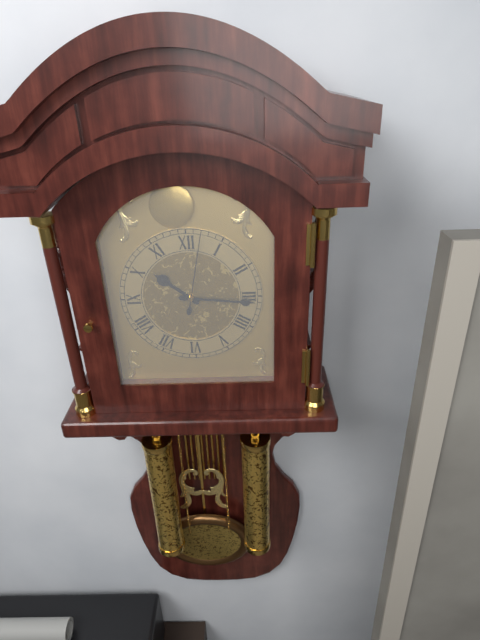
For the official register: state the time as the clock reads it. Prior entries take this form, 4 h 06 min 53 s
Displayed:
10 h 16 min 02 s
